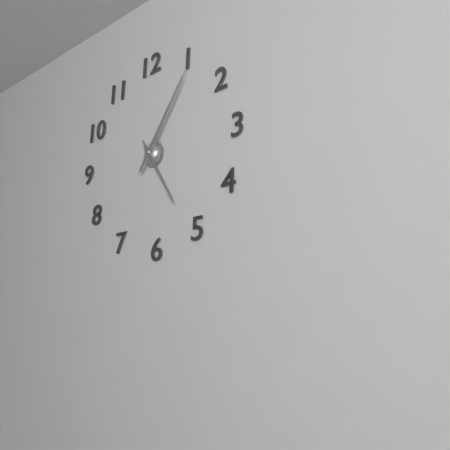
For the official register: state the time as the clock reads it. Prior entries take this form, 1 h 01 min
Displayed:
5 h 06 min
